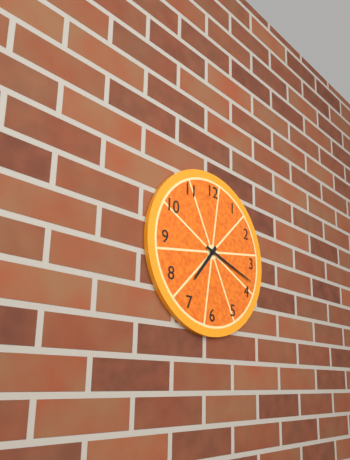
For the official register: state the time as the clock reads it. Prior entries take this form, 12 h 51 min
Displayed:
7 h 18 min
